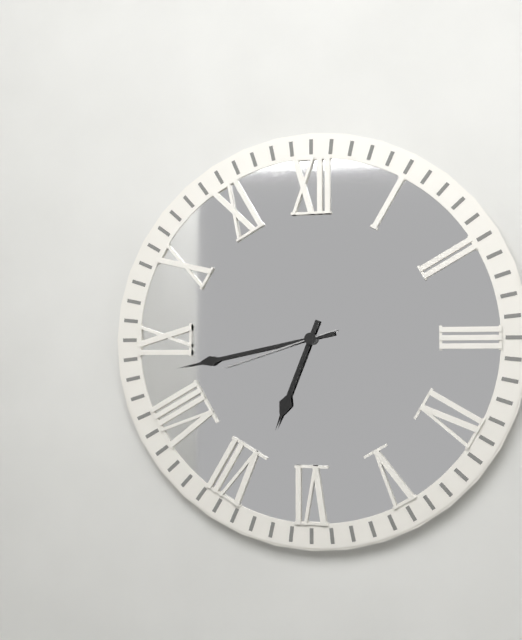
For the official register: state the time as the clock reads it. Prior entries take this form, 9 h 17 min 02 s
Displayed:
6 h 43 min 42 s
